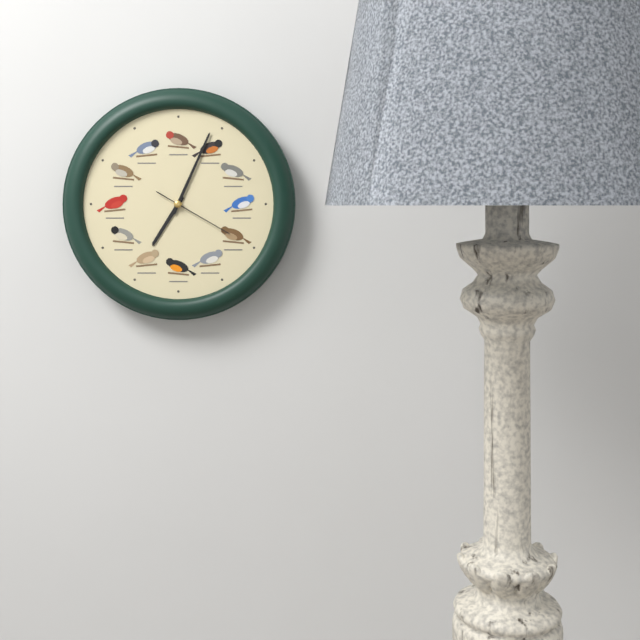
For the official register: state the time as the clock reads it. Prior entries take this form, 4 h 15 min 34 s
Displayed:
7 h 04 min 20 s
